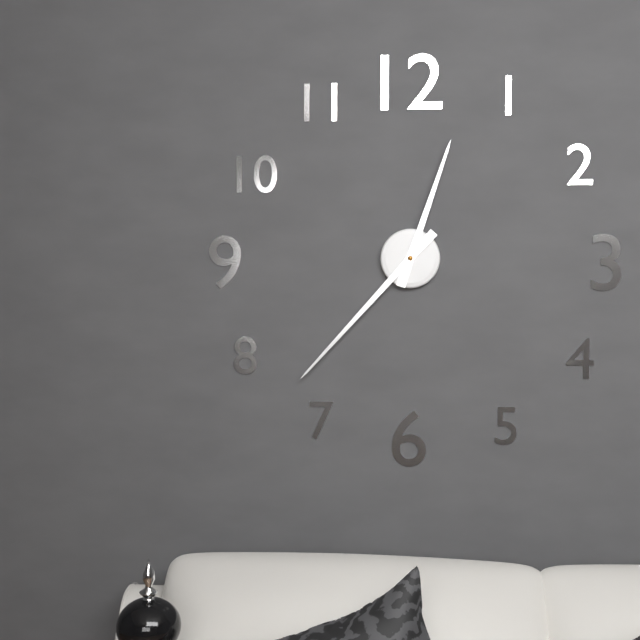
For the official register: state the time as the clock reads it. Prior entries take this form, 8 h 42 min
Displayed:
12 h 37 min
